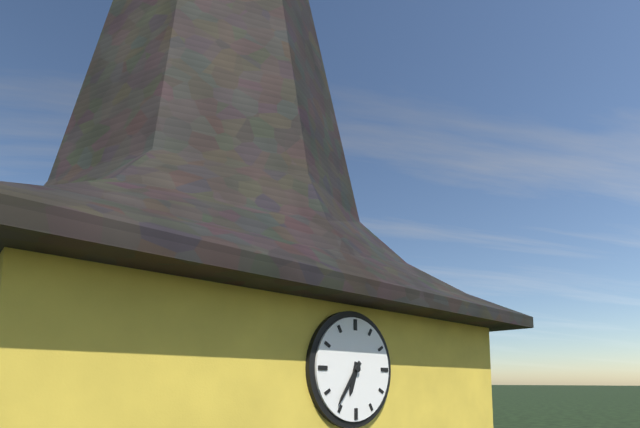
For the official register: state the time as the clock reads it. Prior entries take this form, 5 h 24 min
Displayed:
6 h 36 min
